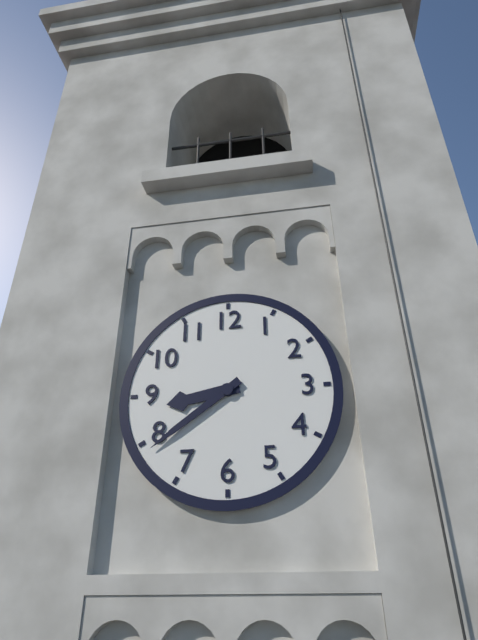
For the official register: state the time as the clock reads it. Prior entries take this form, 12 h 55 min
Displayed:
8 h 39 min
